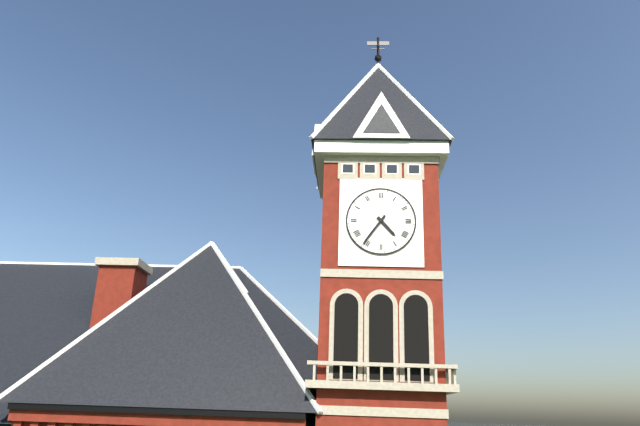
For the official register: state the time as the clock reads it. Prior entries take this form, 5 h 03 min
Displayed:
4 h 36 min
